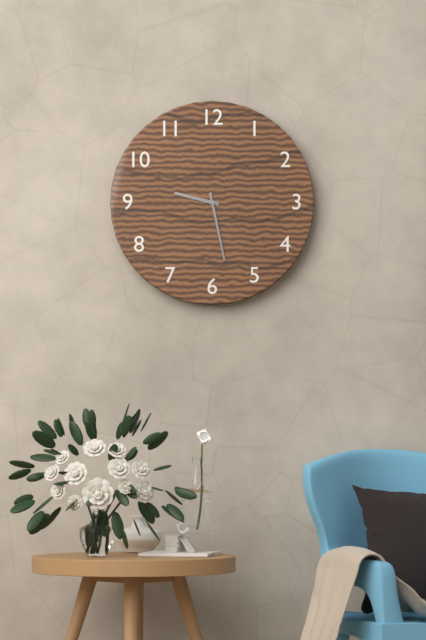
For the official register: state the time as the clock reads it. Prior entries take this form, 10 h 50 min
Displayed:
9 h 28 min
